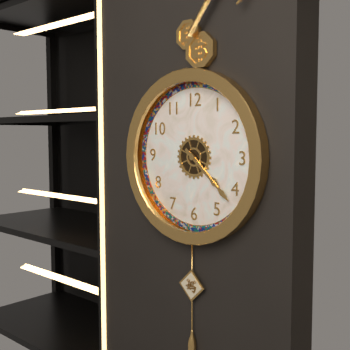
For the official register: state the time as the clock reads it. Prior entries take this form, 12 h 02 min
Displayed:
4 h 22 min
